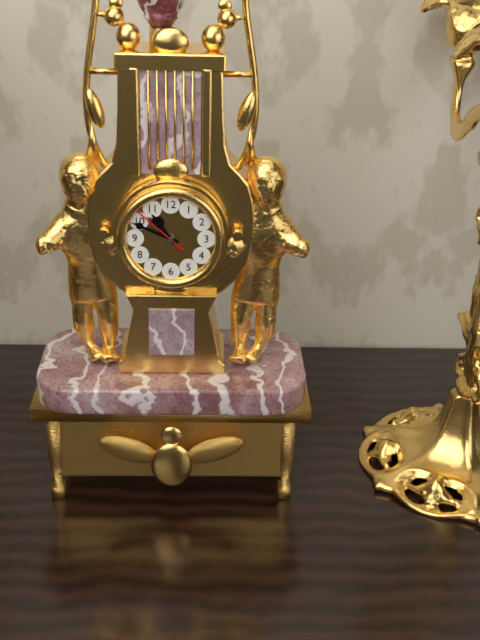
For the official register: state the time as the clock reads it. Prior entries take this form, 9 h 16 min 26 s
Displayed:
10 h 49 min 52 s
